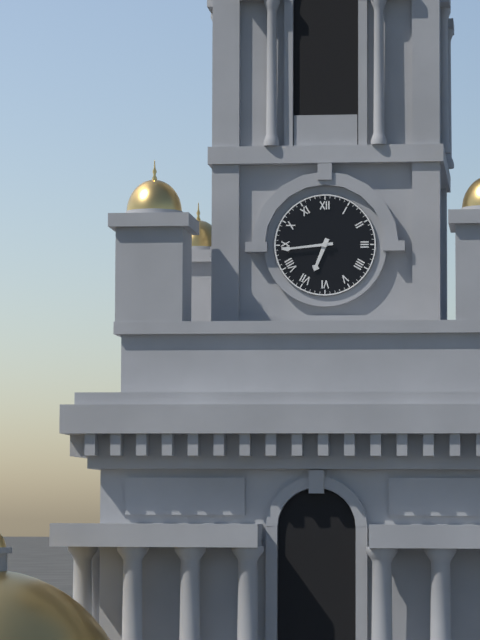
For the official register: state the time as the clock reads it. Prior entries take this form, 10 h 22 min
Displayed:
6 h 44 min
